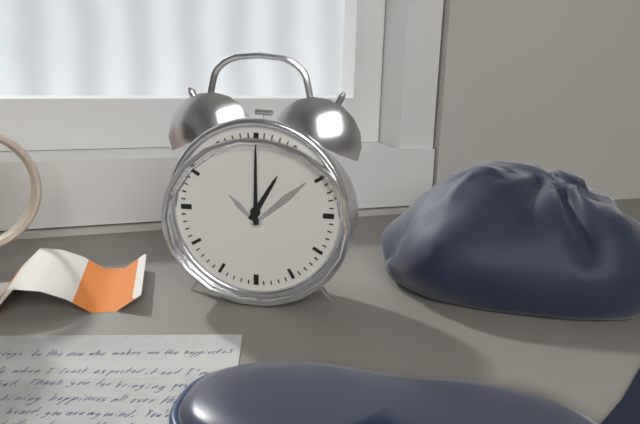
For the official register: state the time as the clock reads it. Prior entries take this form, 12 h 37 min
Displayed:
1 h 00 min
